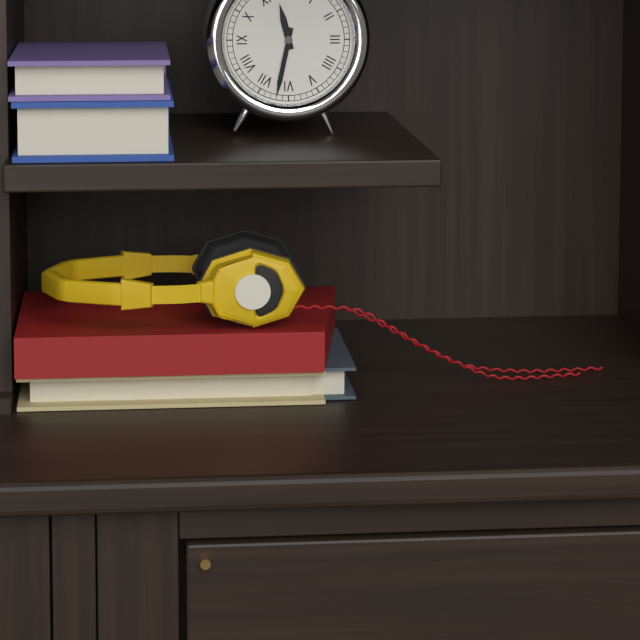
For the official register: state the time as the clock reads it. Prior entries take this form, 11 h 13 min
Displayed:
11 h 32 min
